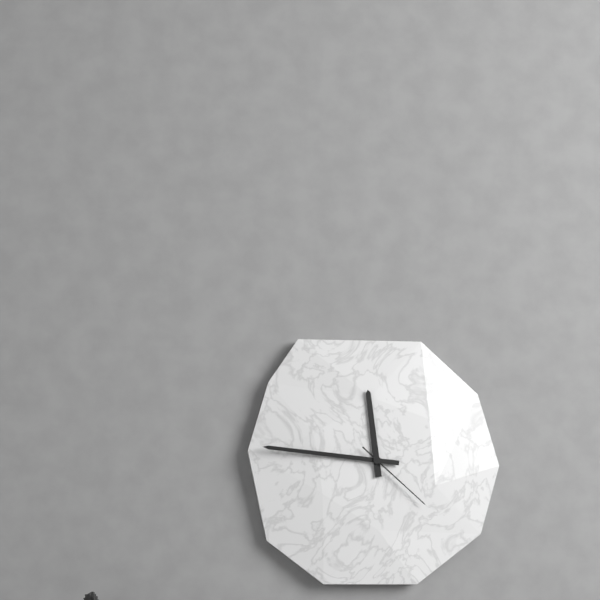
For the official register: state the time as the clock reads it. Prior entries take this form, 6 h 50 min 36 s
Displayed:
11 h 46 min 22 s
